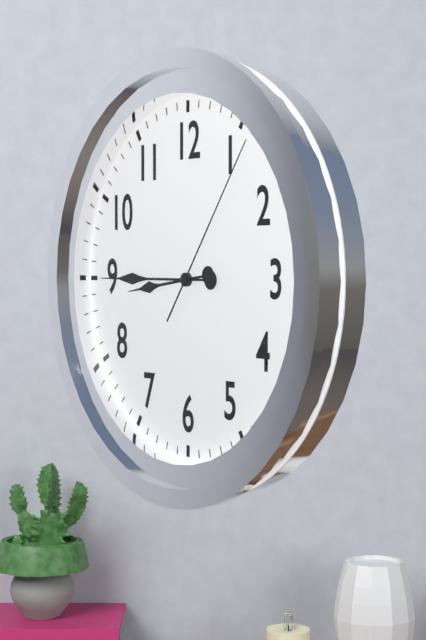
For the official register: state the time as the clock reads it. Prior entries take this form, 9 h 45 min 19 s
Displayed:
8 h 45 min 06 s
